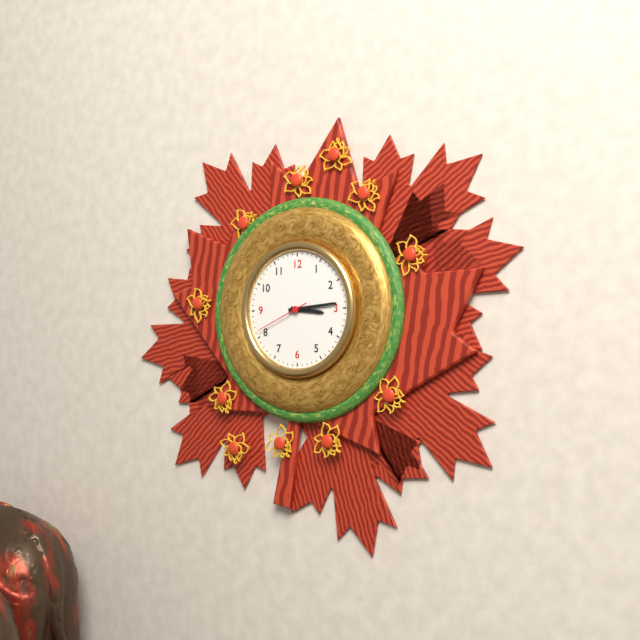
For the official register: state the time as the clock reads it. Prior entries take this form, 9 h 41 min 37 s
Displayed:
3 h 14 min 41 s
